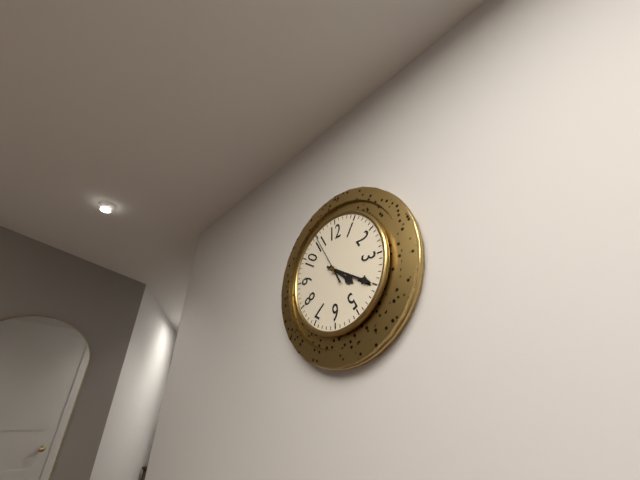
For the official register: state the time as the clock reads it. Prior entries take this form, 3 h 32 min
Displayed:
4 h 20 min
